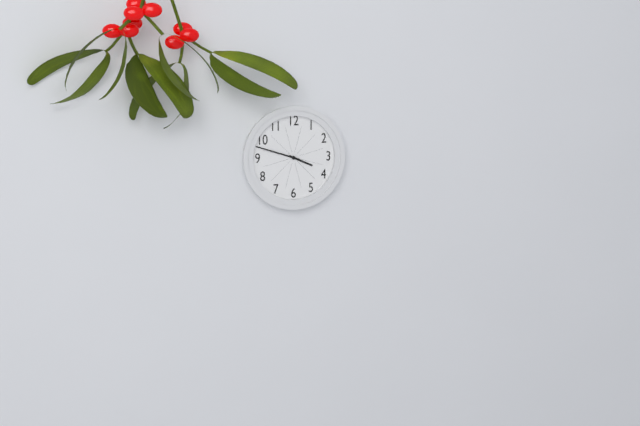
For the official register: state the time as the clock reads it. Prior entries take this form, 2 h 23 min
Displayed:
3 h 48 min
